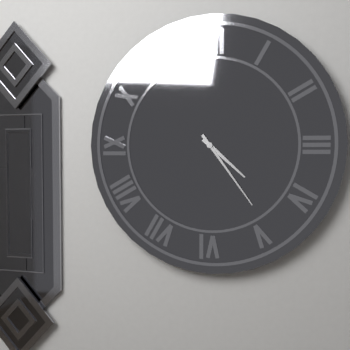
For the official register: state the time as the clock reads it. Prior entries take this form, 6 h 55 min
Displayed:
4 h 24 min
